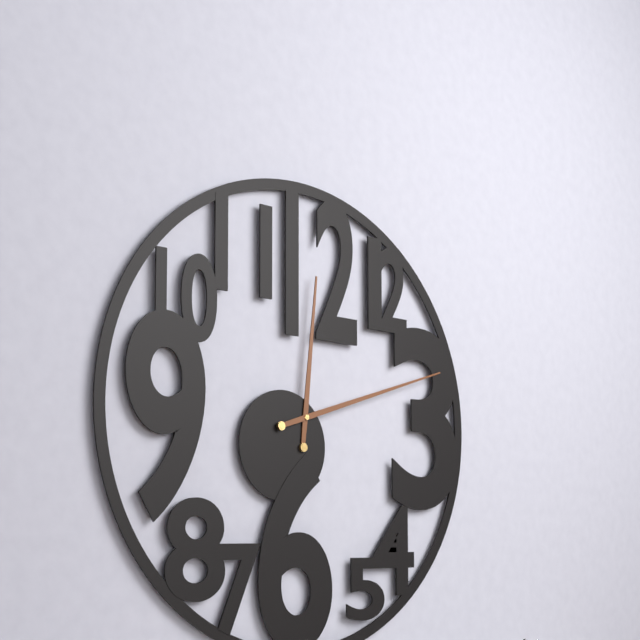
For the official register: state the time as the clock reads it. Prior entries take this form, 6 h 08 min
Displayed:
12 h 12 min
